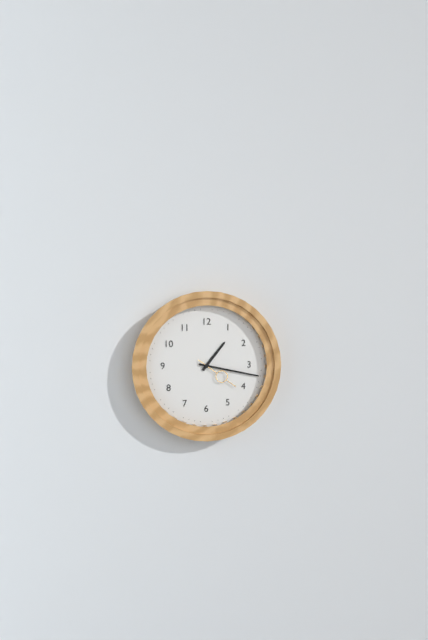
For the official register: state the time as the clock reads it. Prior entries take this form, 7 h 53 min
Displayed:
1 h 17 min
